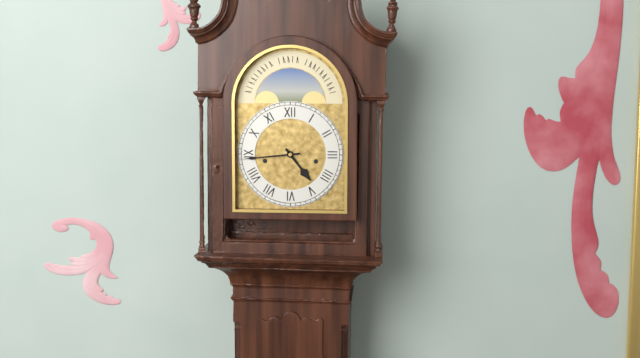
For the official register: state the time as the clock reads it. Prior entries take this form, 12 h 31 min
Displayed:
4 h 44 min
